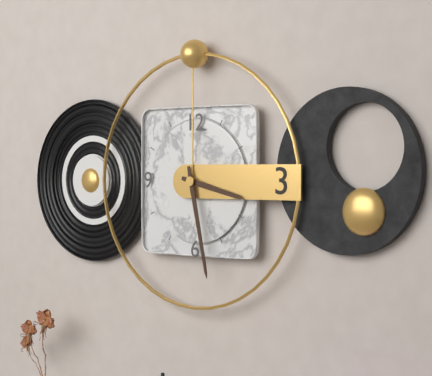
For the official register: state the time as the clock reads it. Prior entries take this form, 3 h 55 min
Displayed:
3 h 28 min
